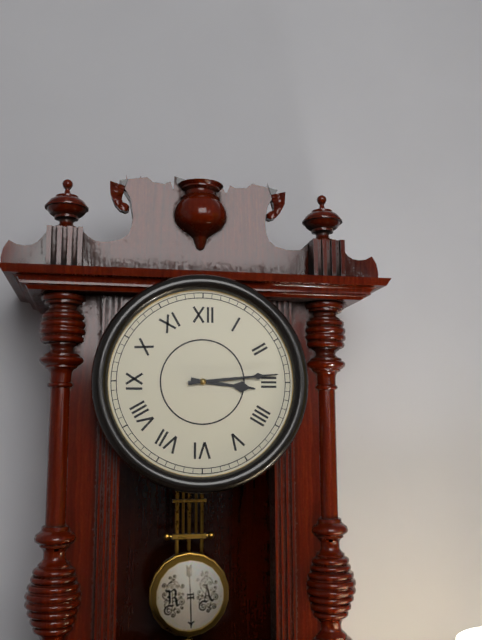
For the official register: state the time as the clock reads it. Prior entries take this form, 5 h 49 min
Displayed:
3 h 14 min
